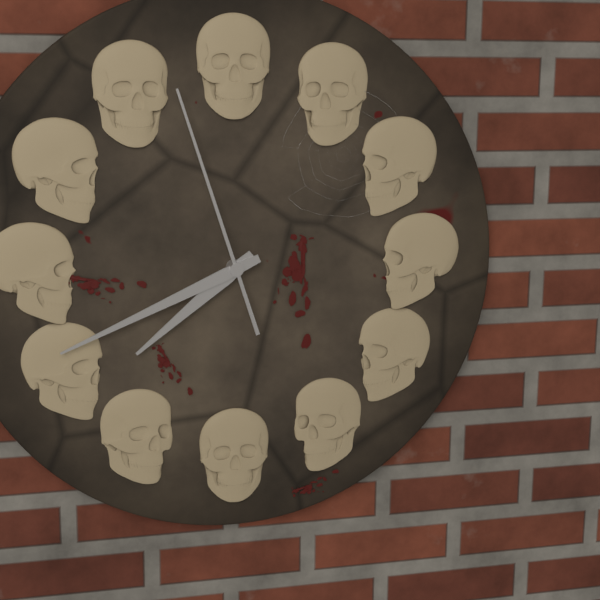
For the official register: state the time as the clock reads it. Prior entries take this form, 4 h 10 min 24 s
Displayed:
7 h 41 min 57 s
